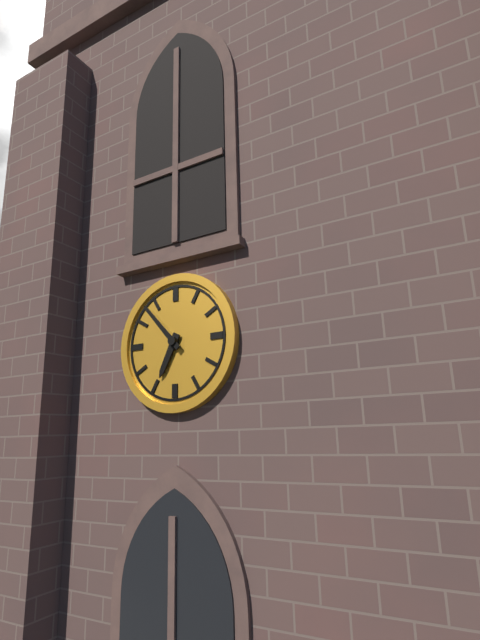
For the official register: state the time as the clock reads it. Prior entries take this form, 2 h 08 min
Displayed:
6 h 53 min
